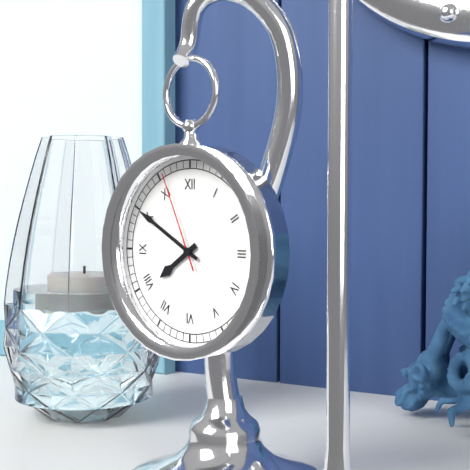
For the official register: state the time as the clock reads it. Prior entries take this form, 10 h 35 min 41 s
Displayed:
7 h 50 min 56 s
